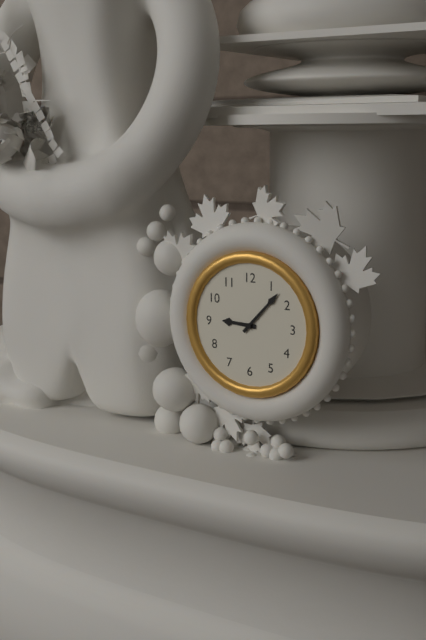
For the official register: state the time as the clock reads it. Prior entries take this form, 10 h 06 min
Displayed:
9 h 07 min
